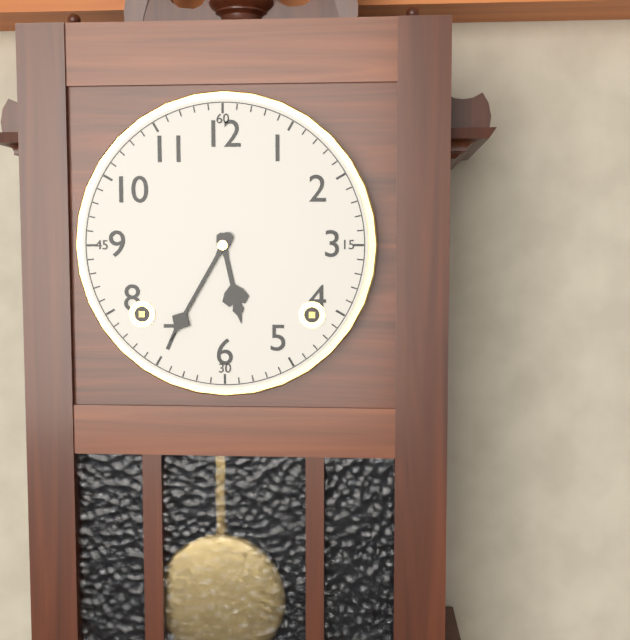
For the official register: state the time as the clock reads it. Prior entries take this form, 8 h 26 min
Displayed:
5 h 35 min
